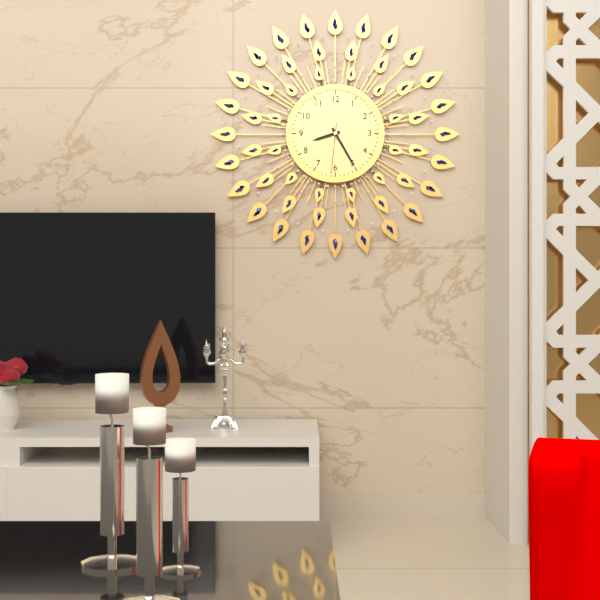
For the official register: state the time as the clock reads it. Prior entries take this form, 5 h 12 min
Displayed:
8 h 25 min
